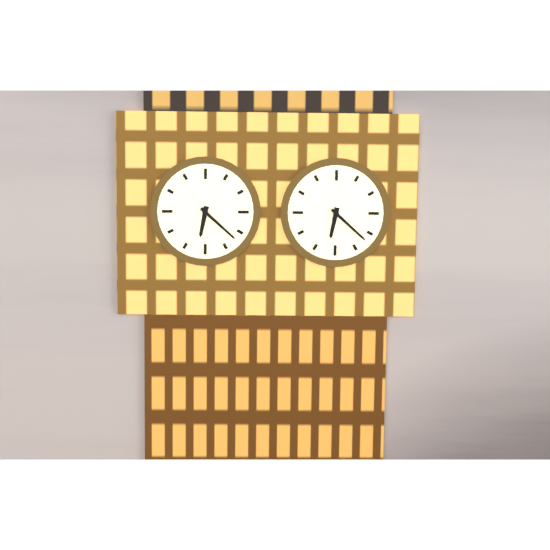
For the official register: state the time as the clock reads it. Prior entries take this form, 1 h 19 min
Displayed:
6 h 22 min
